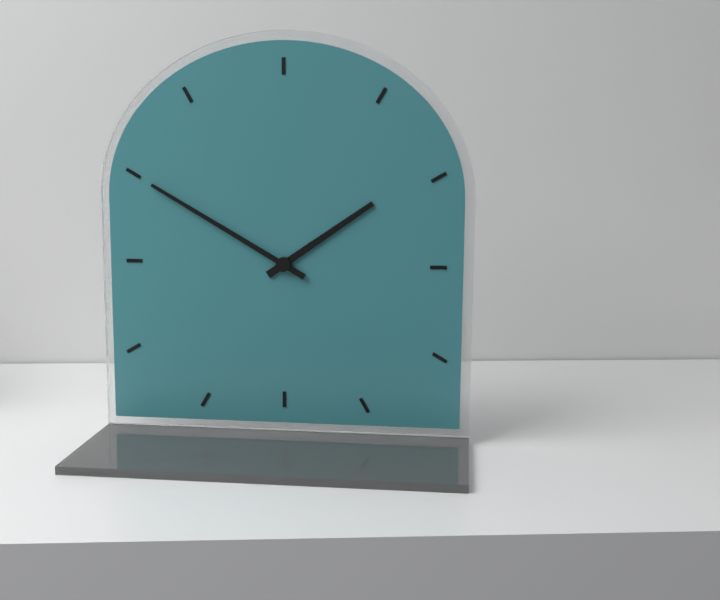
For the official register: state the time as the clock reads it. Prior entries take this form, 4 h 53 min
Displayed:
1 h 50 min
